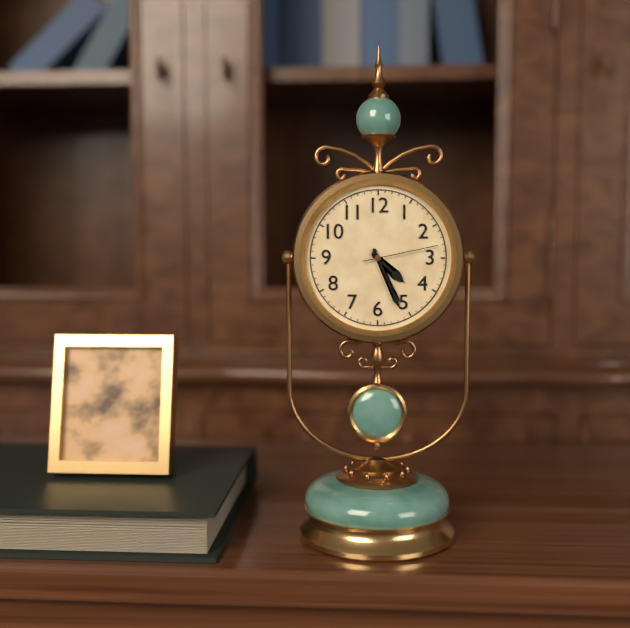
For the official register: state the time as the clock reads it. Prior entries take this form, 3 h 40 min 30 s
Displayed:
4 h 26 min 13 s
